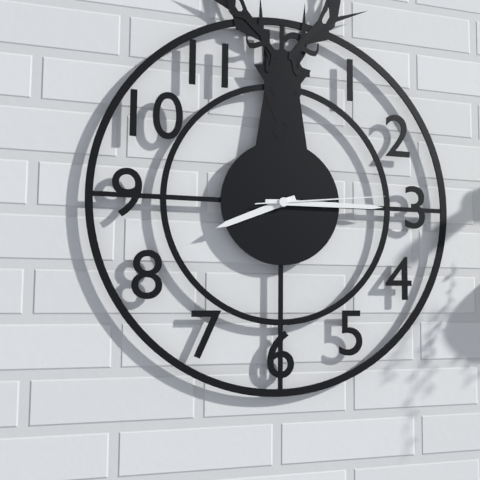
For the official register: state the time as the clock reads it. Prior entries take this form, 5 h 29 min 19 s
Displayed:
8 h 15 min 14 s
